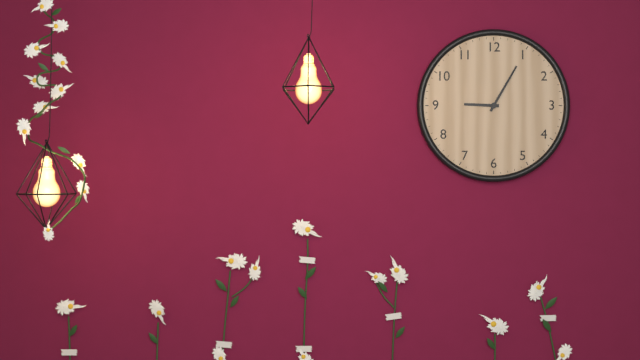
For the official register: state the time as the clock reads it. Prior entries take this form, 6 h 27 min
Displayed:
9 h 05 min
